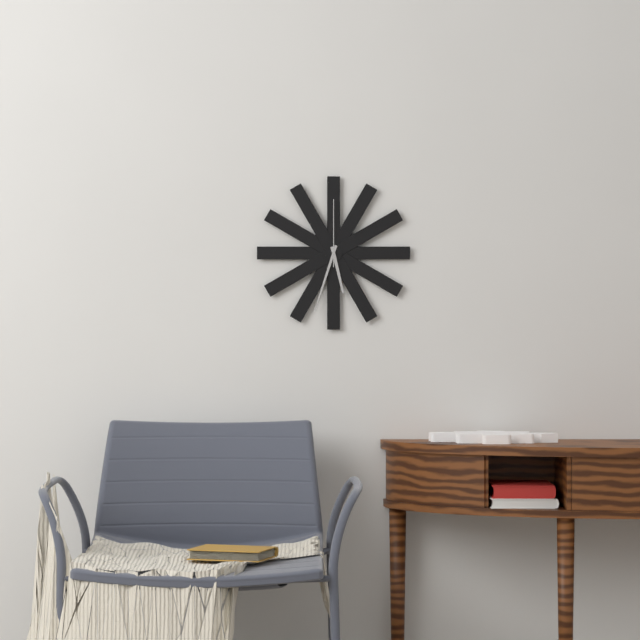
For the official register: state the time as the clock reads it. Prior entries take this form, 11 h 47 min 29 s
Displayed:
5 h 33 min 00 s
